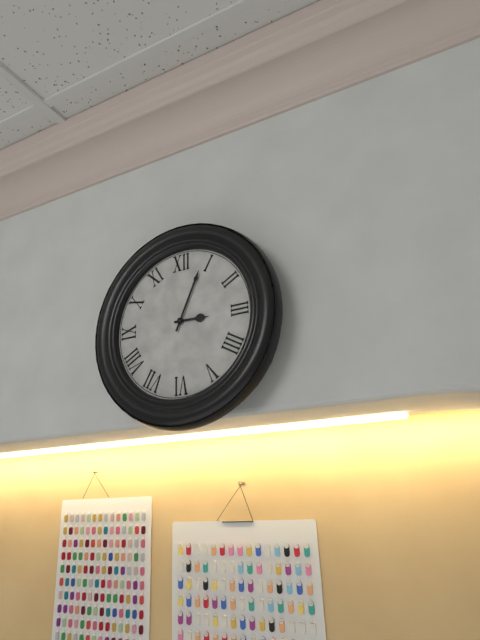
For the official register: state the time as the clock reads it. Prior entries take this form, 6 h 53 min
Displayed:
3 h 04 min
